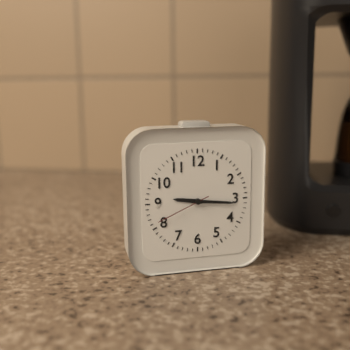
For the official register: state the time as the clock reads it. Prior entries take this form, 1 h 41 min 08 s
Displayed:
9 h 16 min 41 s
